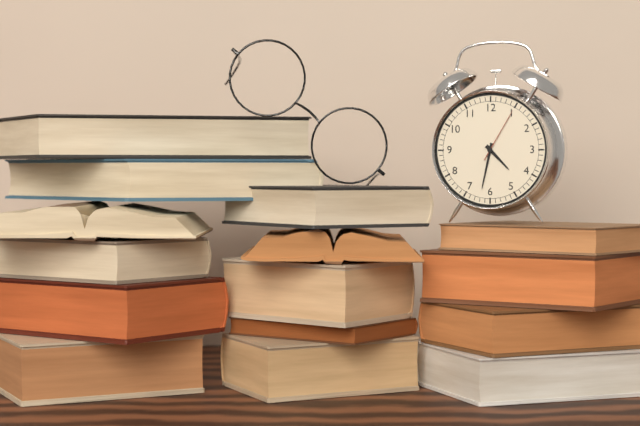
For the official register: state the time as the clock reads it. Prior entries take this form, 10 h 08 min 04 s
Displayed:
4 h 32 min 05 s
